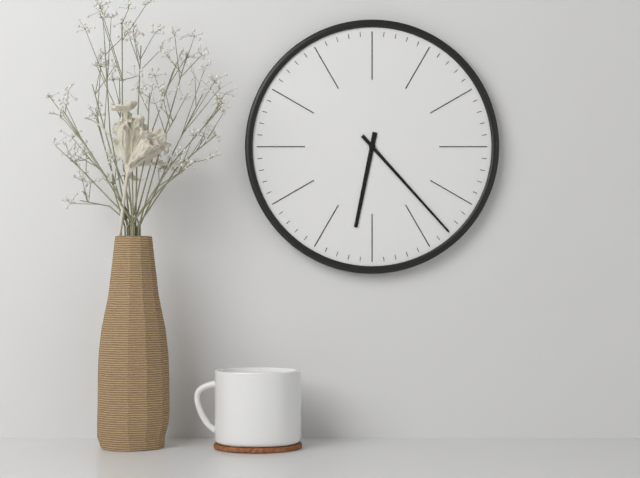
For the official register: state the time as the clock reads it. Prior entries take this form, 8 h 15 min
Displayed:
6 h 23 min
